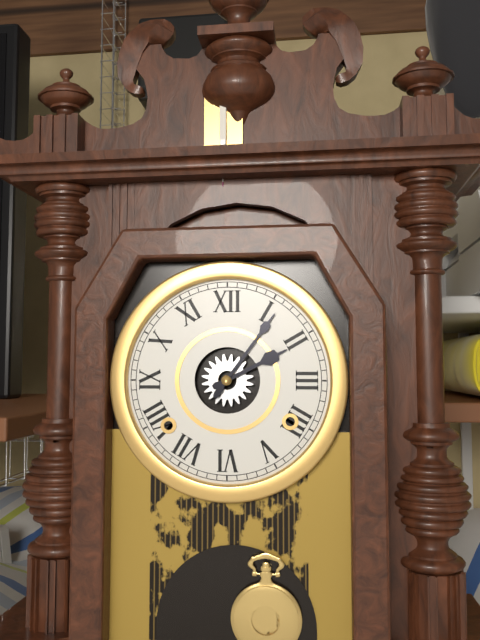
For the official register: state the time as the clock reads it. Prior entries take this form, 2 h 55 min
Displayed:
2 h 06 min
